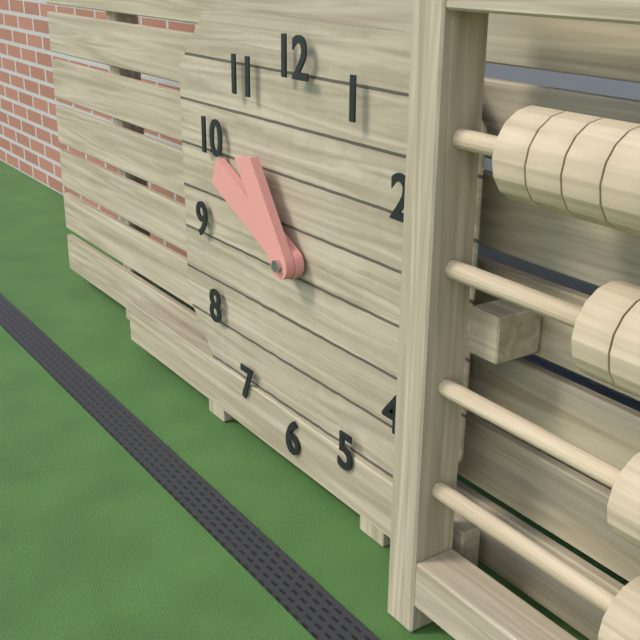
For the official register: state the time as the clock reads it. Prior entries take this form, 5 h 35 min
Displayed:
10 h 49 min
